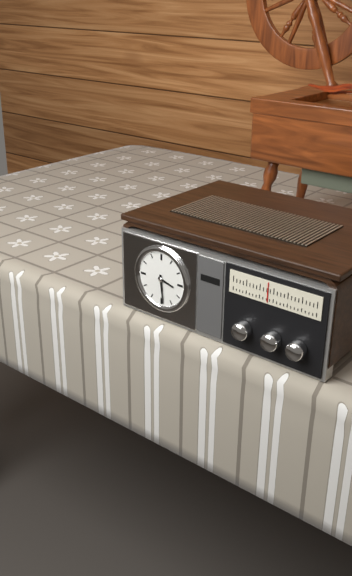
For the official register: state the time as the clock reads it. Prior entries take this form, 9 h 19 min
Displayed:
3 h 29 min
